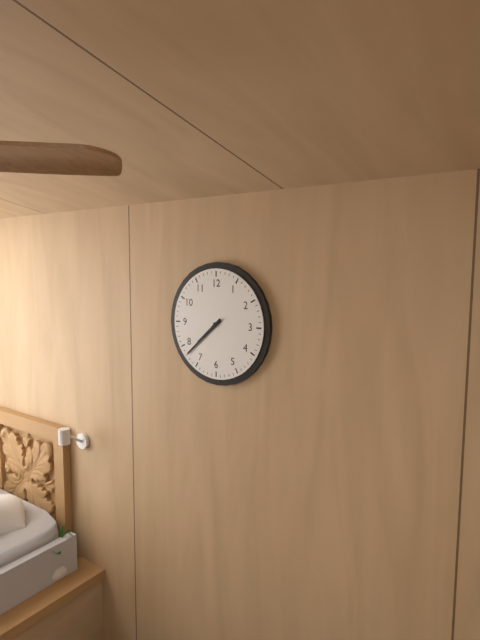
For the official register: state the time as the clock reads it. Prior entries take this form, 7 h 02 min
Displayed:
7 h 38 min
